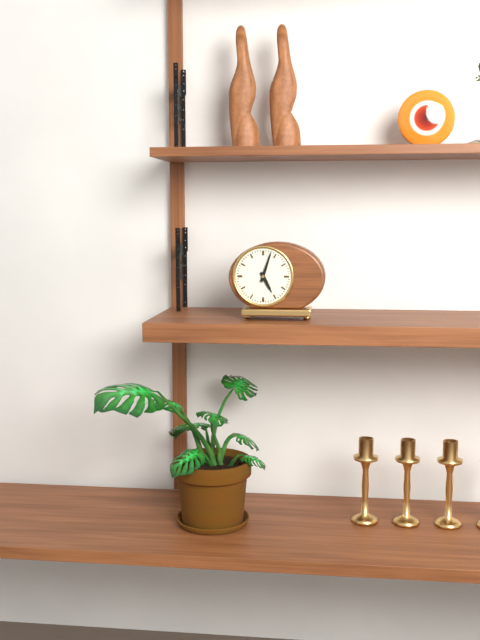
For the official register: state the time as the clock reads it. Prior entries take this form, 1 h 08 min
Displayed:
5 h 03 min
